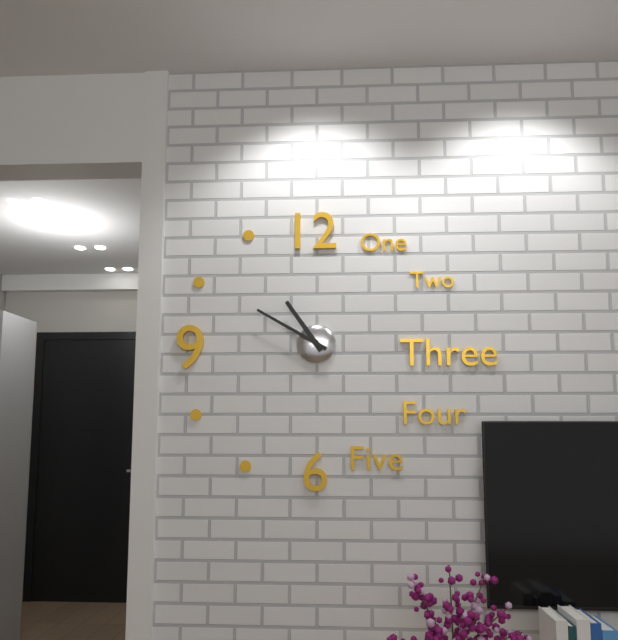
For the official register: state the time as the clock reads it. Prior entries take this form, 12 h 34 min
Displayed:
10 h 50 min
